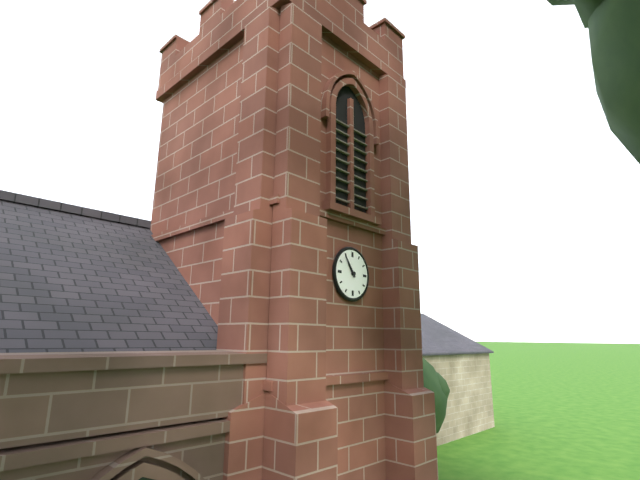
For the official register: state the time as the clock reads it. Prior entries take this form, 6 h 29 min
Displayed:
10 h 54 min
